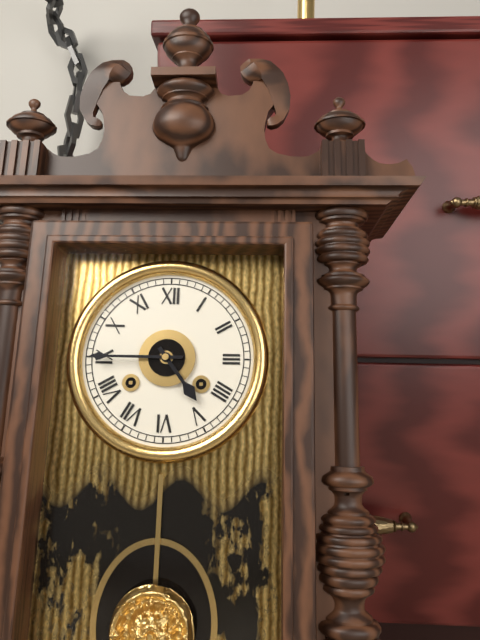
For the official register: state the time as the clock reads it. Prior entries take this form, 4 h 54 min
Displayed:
4 h 45 min
